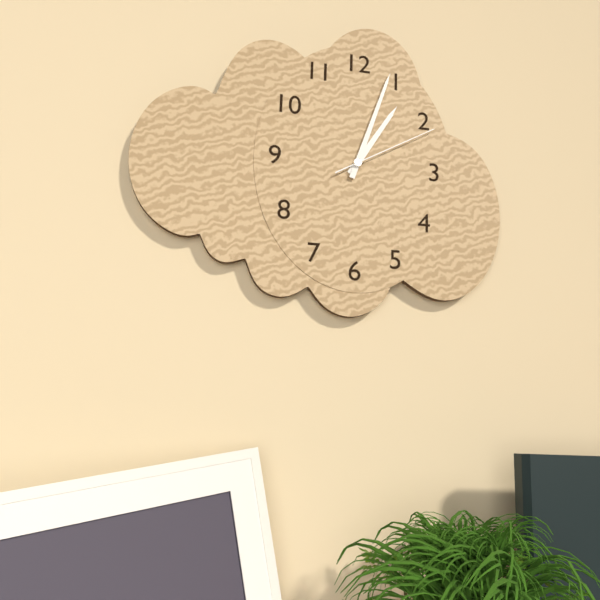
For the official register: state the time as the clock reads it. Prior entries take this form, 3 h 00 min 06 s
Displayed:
1 h 03 min 10 s
